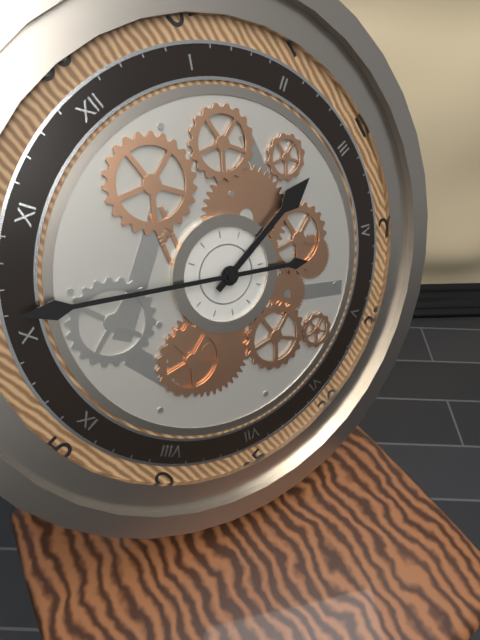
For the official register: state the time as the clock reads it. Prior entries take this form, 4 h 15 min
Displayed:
2 h 51 min
